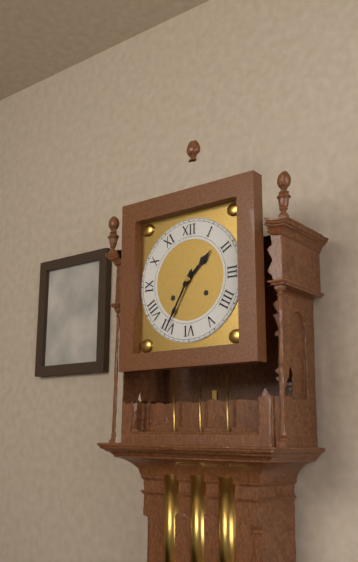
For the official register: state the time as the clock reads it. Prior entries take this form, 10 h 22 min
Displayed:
1 h 35 min
